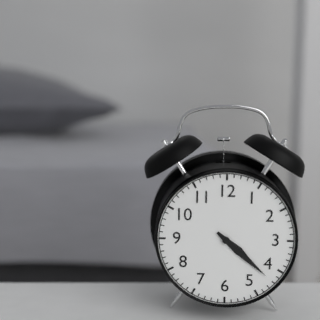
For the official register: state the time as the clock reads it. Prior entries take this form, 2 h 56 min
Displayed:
4 h 22 min
